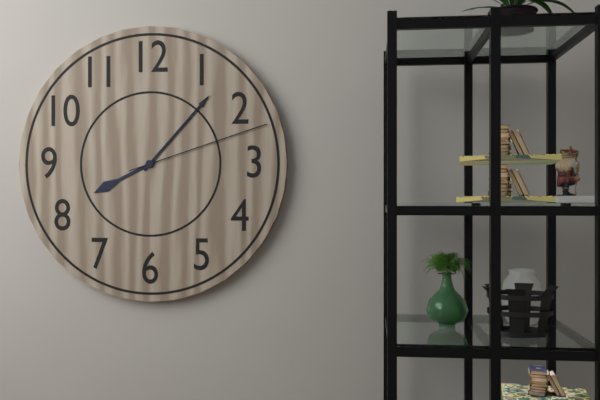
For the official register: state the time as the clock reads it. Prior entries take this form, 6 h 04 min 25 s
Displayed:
8 h 07 min 12 s
